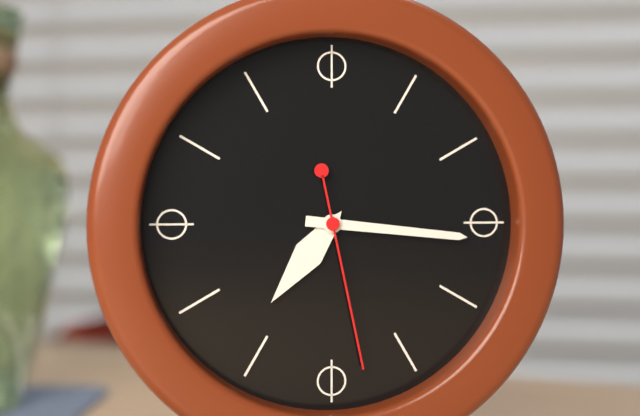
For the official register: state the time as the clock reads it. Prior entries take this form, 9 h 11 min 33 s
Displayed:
7 h 16 min 28 s
